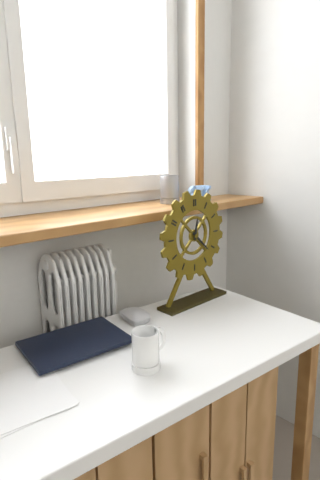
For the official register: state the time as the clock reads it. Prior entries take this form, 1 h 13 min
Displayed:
12 h 22 min
